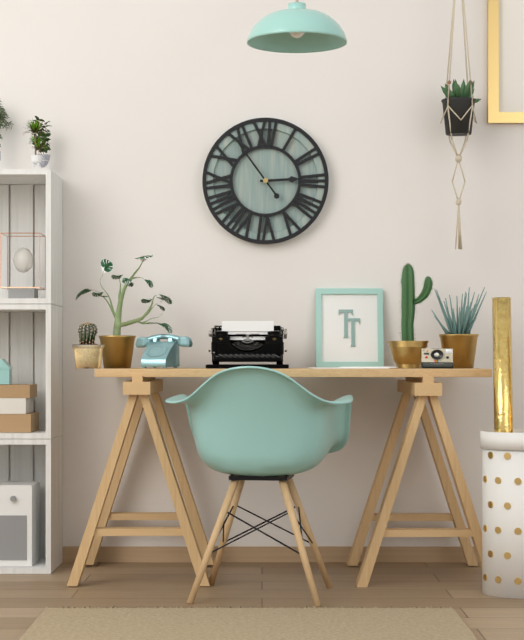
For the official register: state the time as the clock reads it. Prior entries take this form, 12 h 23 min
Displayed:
2 h 54 min
